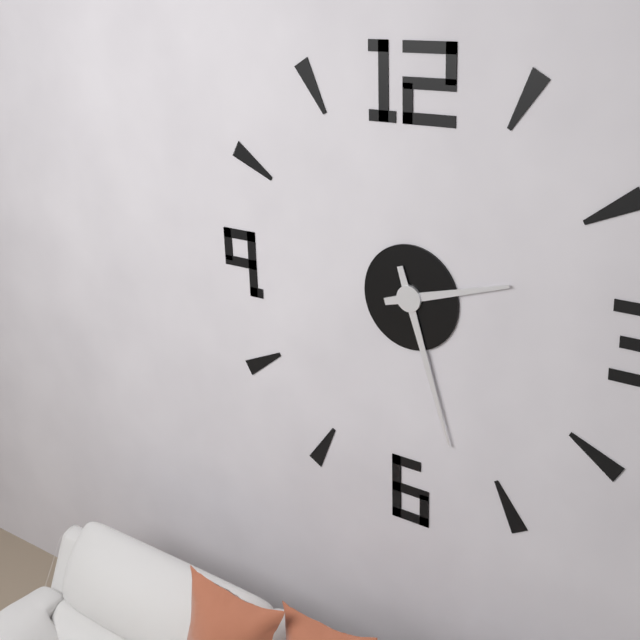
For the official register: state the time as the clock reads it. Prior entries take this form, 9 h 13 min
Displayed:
2 h 27 min
